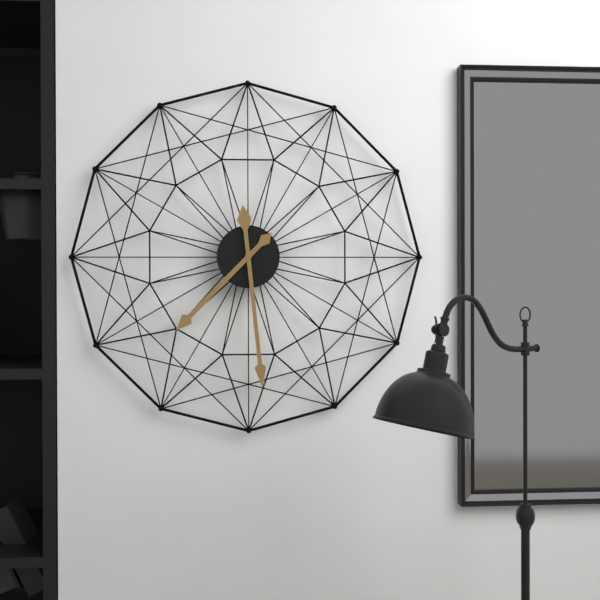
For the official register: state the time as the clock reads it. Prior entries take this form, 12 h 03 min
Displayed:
7 h 29 min
